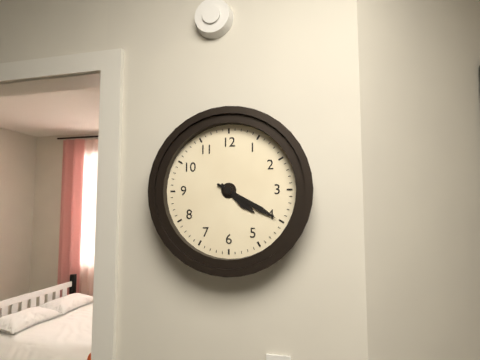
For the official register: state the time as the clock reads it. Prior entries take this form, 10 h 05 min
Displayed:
4 h 20 min
